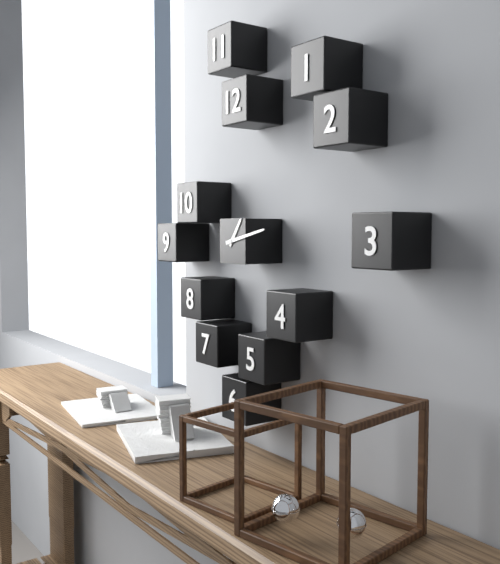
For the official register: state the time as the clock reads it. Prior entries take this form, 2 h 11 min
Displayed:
1 h 13 min
